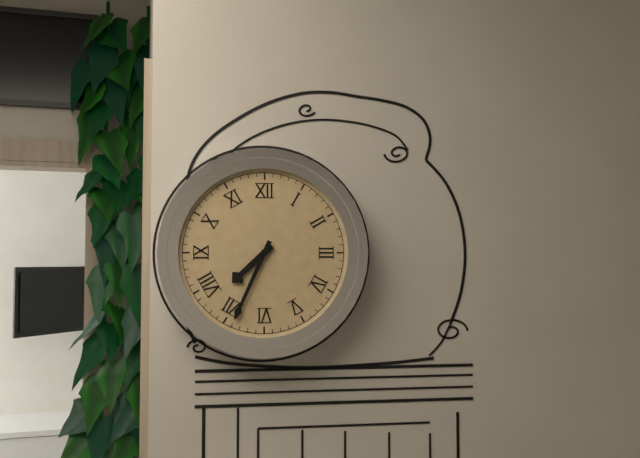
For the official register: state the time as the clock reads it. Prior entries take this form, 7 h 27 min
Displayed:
7 h 34 min
